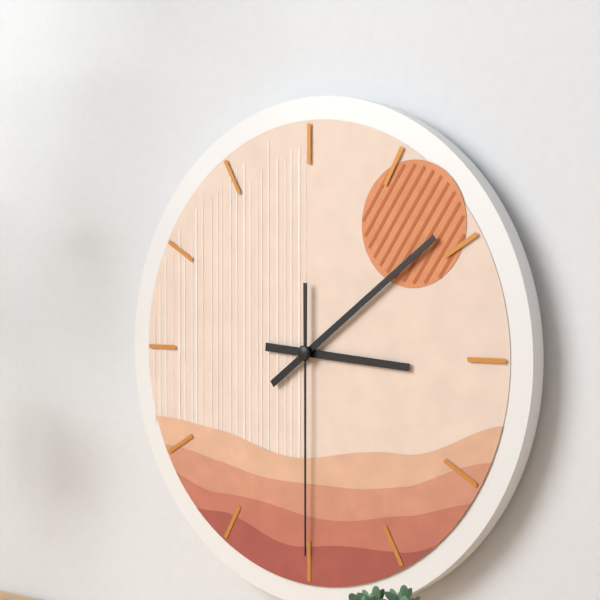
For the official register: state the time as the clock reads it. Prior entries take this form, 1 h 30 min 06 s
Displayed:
3 h 09 min 30 s
